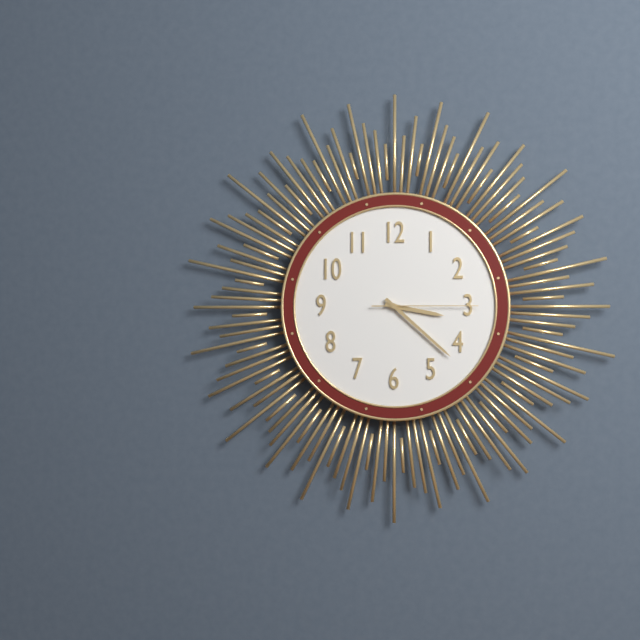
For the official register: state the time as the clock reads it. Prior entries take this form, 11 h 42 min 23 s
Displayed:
3 h 22 min 15 s
